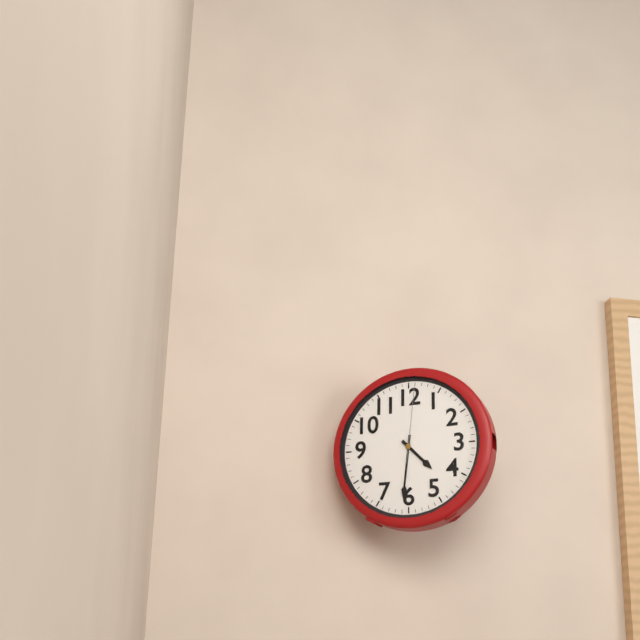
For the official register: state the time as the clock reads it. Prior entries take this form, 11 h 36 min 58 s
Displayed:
4 h 31 min 01 s
